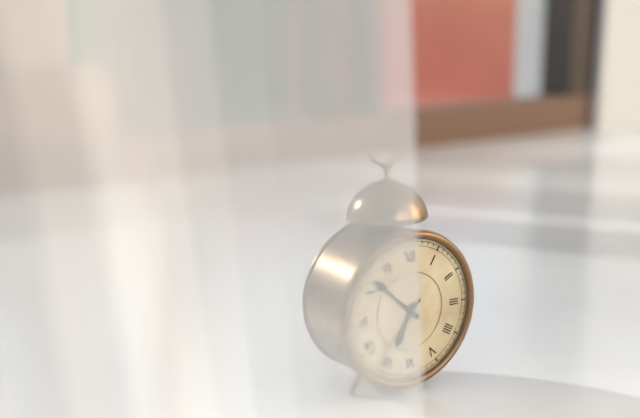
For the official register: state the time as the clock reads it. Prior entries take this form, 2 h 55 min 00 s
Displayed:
6 h 52 min 37 s
